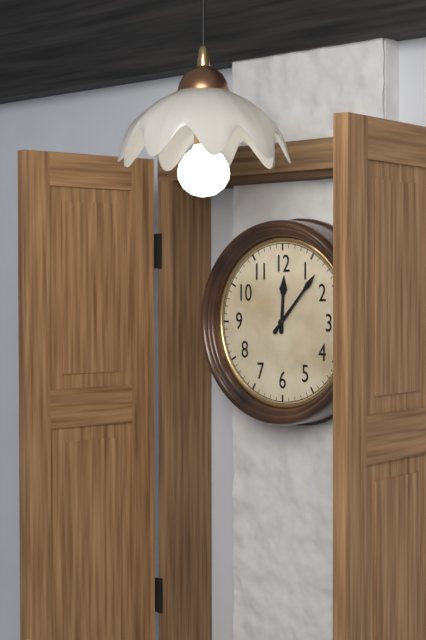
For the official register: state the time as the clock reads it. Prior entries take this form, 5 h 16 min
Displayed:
12 h 07 min
